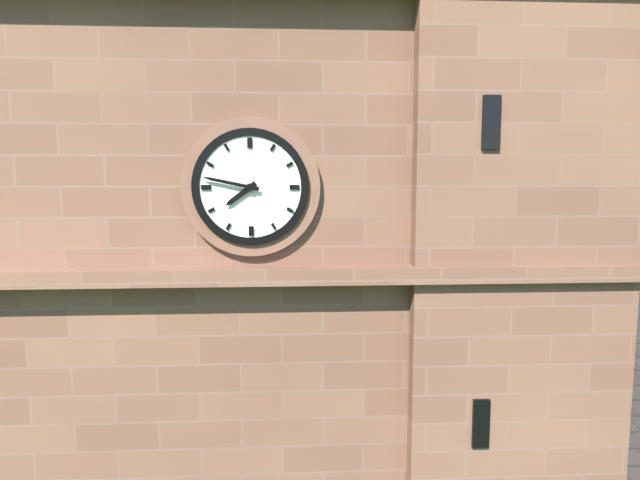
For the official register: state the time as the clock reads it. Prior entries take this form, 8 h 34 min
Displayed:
7 h 47 min
